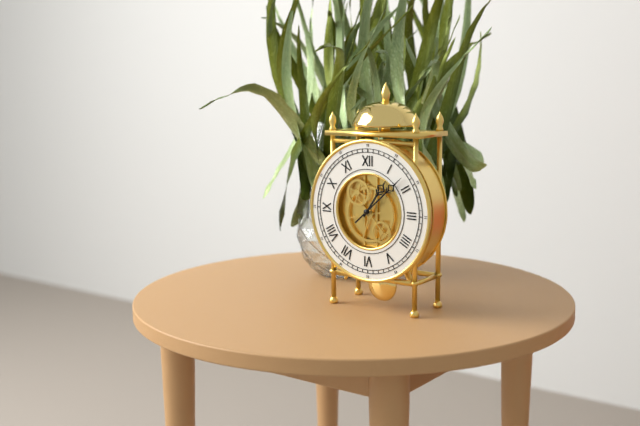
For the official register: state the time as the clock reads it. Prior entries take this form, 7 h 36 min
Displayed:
1 h 08 min
